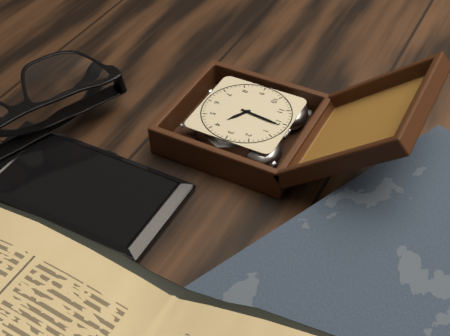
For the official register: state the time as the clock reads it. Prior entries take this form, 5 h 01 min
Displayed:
4 h 01 min
